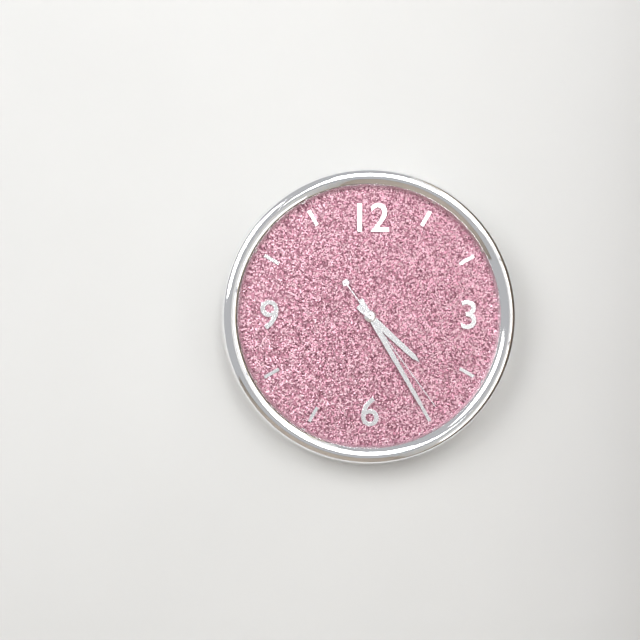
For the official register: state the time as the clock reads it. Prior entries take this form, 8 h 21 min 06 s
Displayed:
4 h 25 min 24 s
